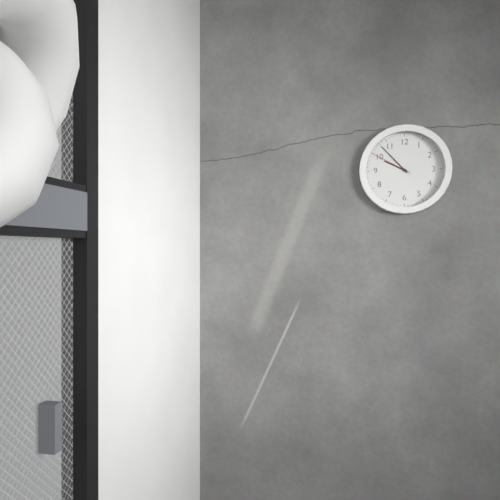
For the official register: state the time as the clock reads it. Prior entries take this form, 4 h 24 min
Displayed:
9 h 53 min
